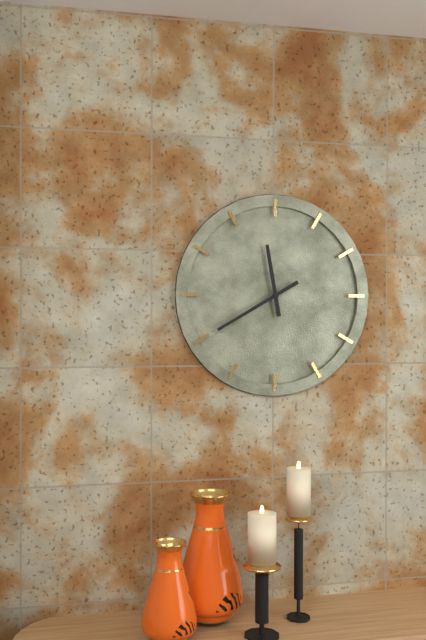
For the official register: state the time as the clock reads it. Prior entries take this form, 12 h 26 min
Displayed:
11 h 40 min
